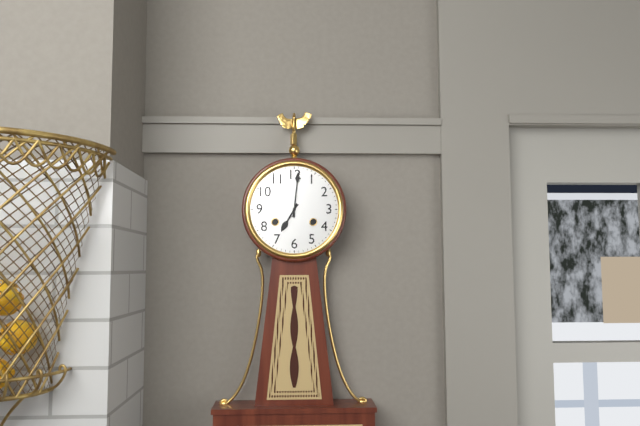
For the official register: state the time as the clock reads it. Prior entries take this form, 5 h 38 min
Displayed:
7 h 01 min
